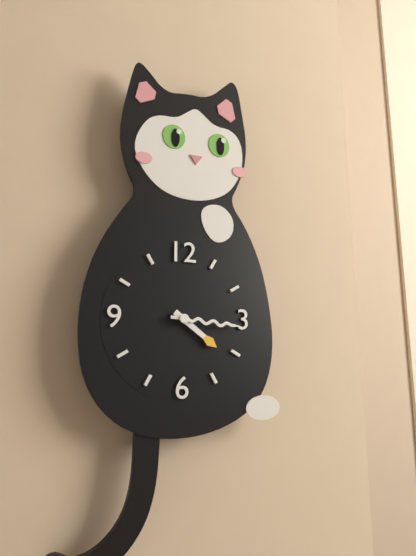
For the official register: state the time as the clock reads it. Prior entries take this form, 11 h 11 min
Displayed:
4 h 16 min
